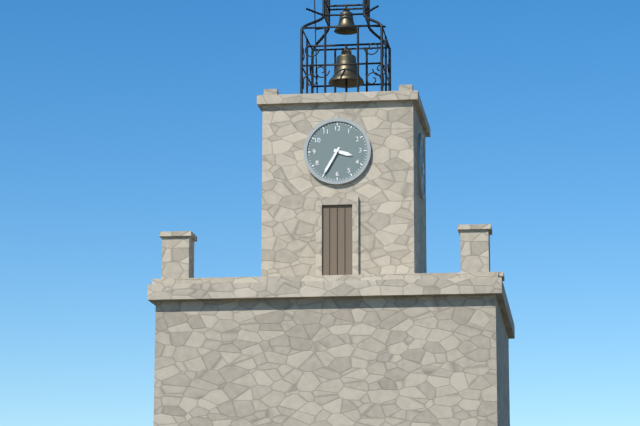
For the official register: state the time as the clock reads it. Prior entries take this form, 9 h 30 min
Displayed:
3 h 35 min
